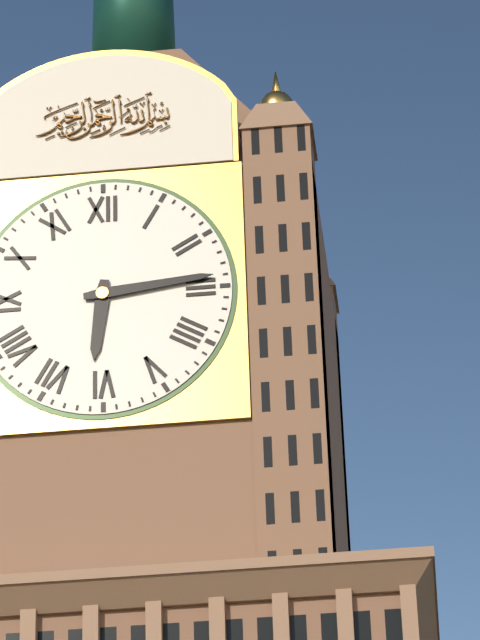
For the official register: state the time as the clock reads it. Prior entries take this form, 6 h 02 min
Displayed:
6 h 14 min
